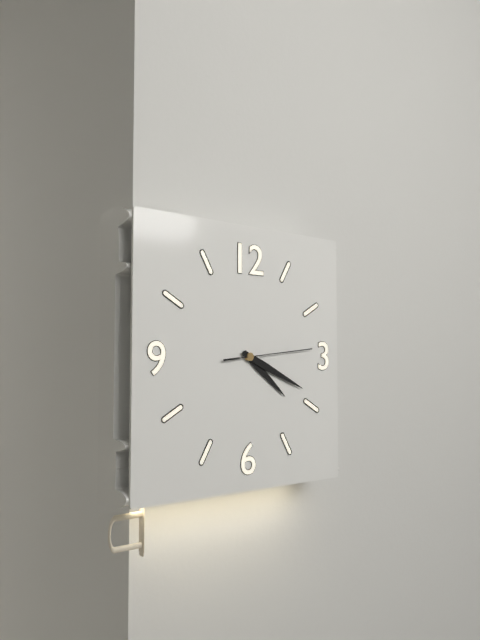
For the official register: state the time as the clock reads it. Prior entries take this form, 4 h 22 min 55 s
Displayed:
4 h 19 min 14 s
